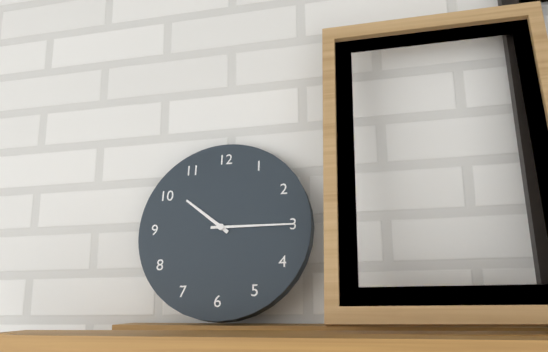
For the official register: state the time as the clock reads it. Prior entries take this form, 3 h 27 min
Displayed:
10 h 15 min
